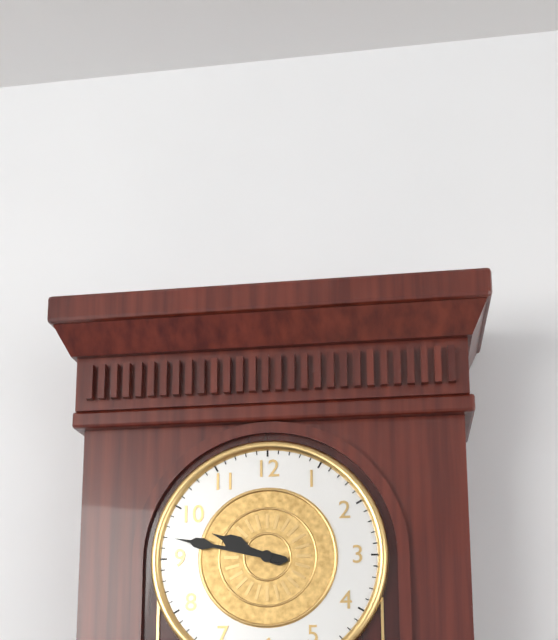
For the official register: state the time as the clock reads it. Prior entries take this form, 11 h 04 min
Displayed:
9 h 47 min
